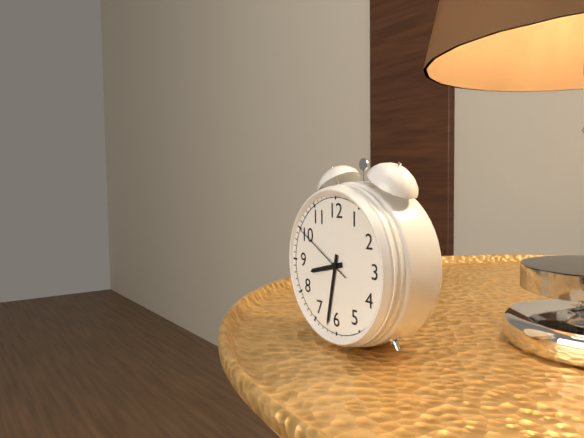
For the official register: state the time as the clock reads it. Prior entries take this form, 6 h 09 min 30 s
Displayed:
8 h 32 min 50 s
